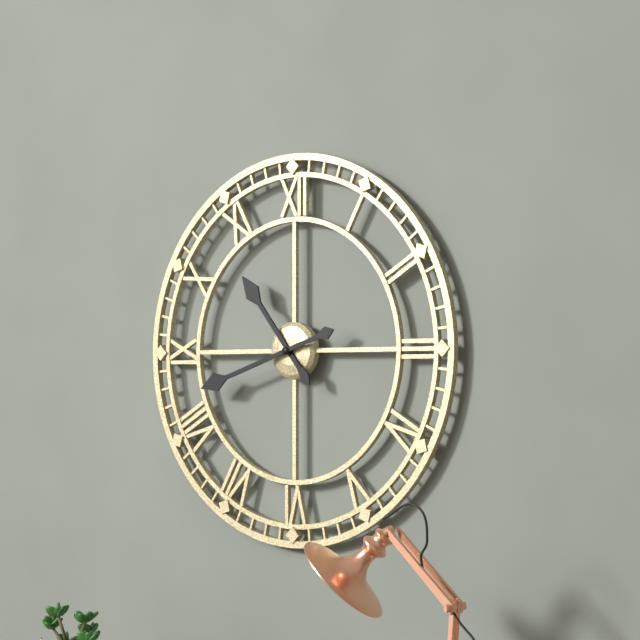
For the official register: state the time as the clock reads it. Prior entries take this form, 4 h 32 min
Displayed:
10 h 42 min
